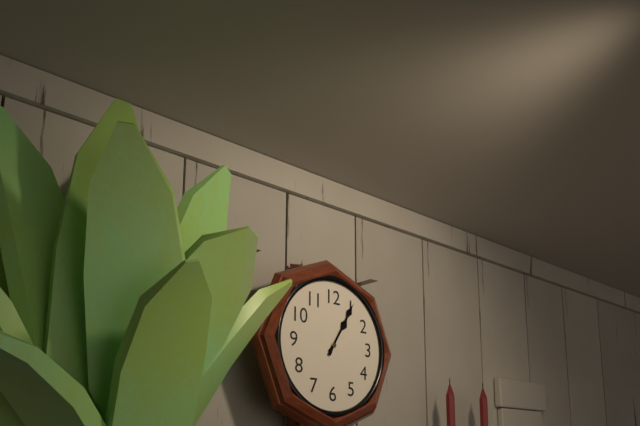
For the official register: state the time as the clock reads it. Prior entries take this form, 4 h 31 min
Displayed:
1 h 05 min
